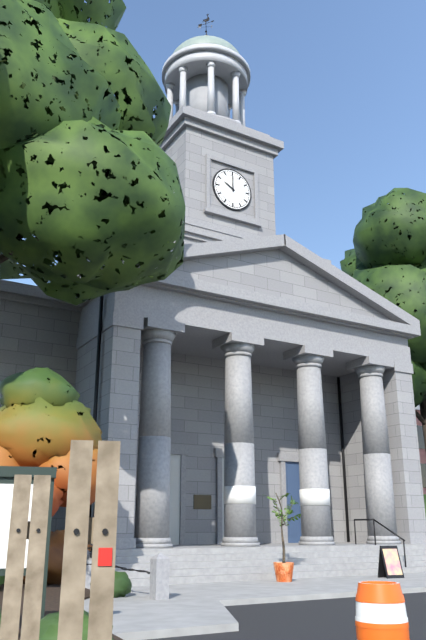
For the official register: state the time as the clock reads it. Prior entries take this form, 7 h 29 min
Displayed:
10 h 00 min
